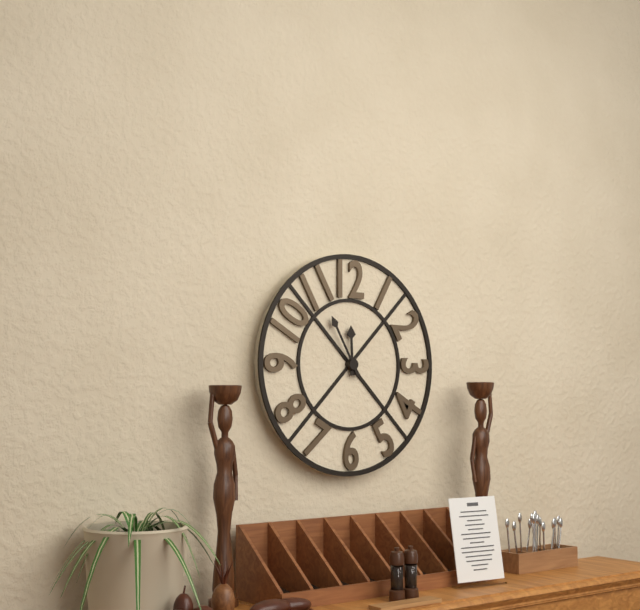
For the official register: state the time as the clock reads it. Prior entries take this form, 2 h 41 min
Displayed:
11 h 55 min
